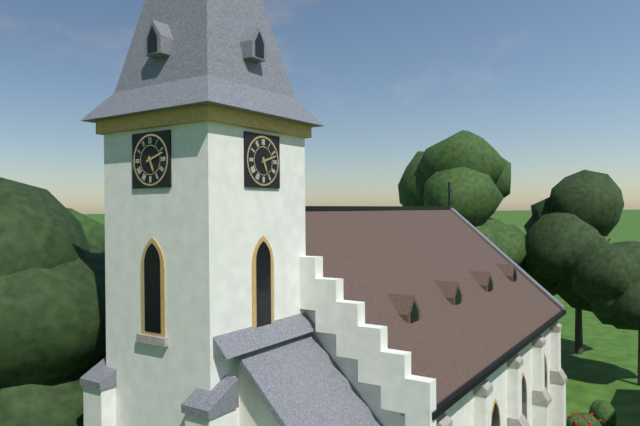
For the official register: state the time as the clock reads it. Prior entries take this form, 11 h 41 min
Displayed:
5 h 12 min
